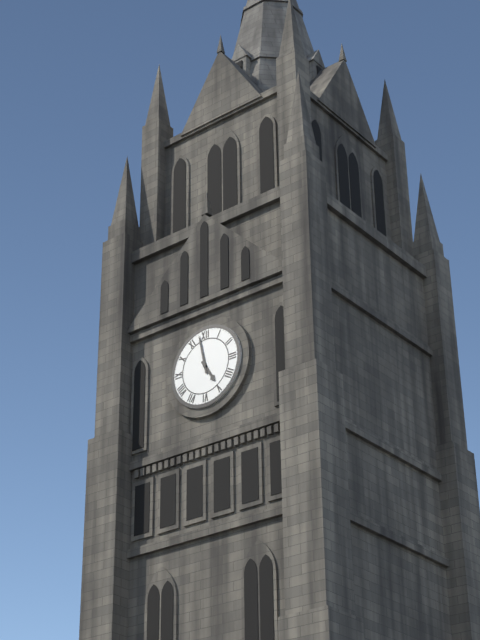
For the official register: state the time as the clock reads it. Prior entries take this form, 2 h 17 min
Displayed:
4 h 58 min
